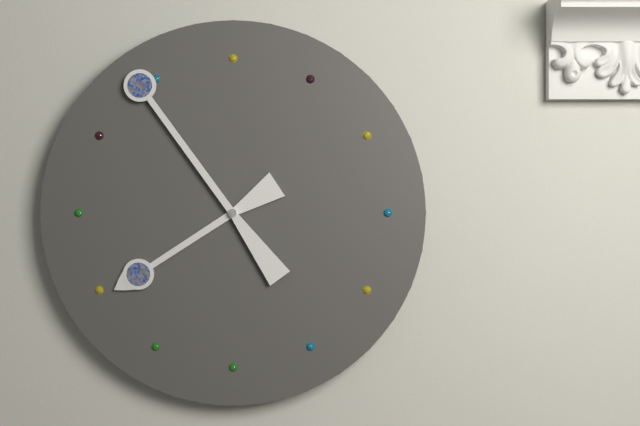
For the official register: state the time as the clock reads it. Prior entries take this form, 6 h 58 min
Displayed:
7 h 54 min
